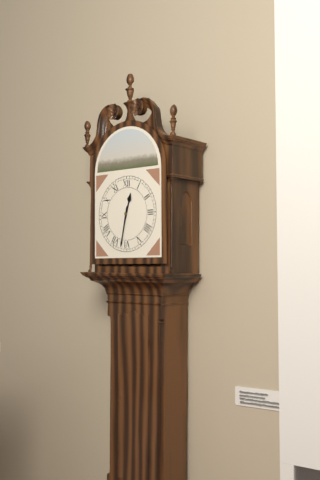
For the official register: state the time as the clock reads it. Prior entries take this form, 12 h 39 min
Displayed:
12 h 32 min
